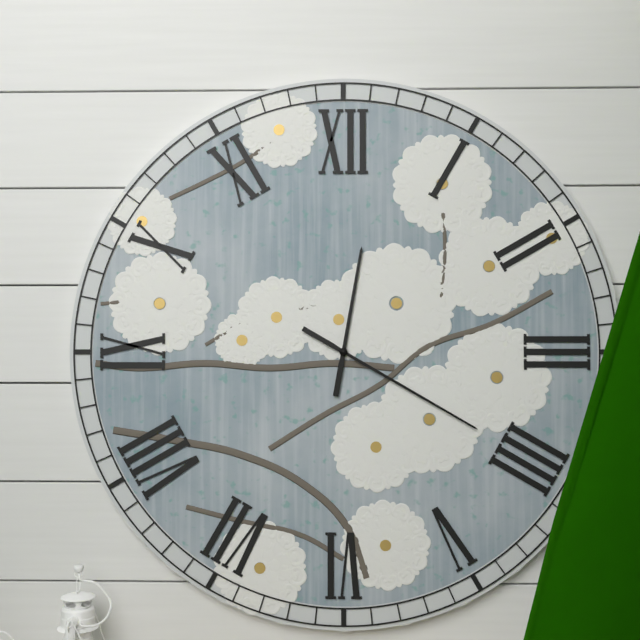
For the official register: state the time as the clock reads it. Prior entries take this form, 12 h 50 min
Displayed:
12 h 20 min
